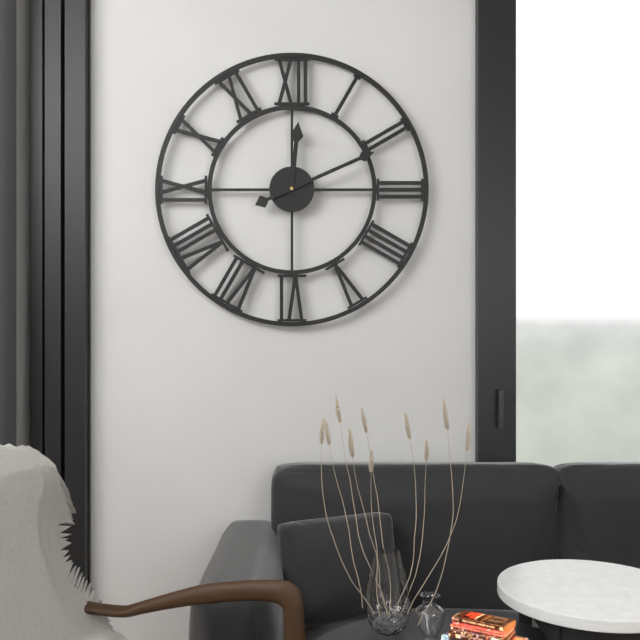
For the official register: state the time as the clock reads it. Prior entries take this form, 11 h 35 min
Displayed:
12 h 11 min
